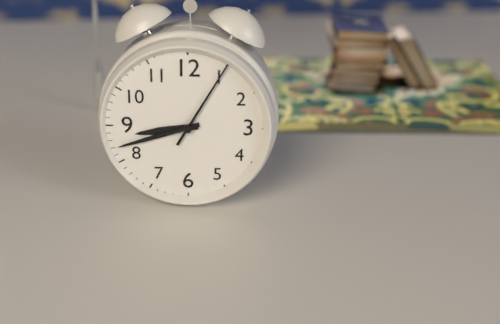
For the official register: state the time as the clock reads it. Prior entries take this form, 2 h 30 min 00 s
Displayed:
8 h 42 min 05 s
